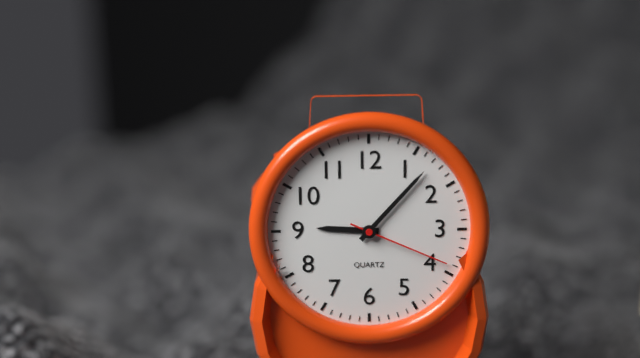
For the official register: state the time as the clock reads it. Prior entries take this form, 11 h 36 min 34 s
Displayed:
9 h 07 min 19 s
